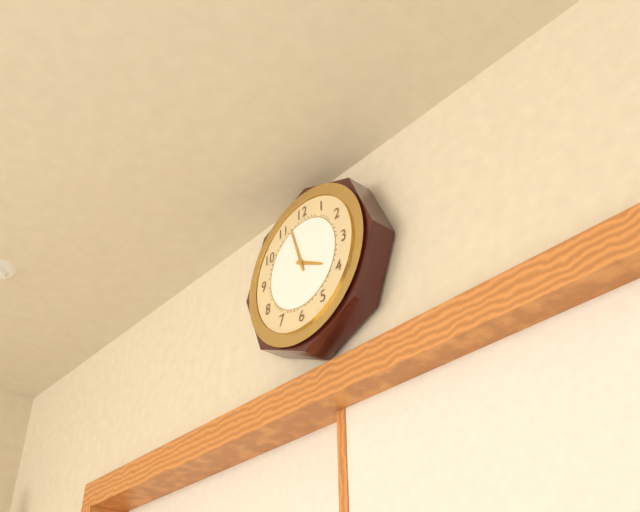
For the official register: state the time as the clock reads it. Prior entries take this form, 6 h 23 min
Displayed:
3 h 57 min
